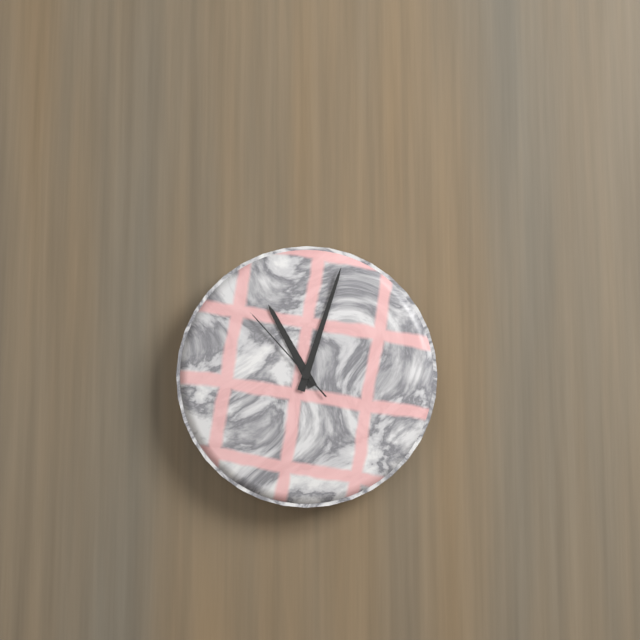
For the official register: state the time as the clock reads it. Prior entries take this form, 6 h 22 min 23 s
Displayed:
11 h 03 min 53 s
